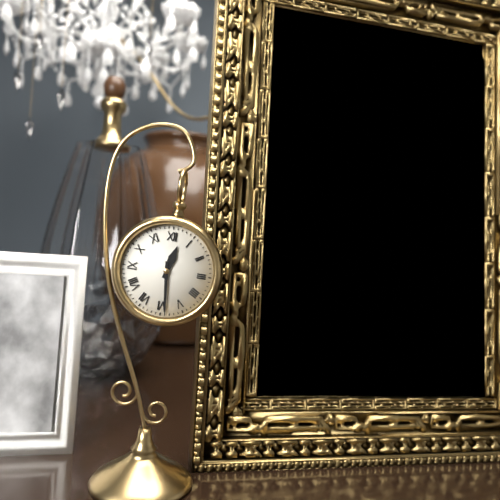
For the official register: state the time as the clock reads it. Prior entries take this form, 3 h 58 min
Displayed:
12 h 29 min
